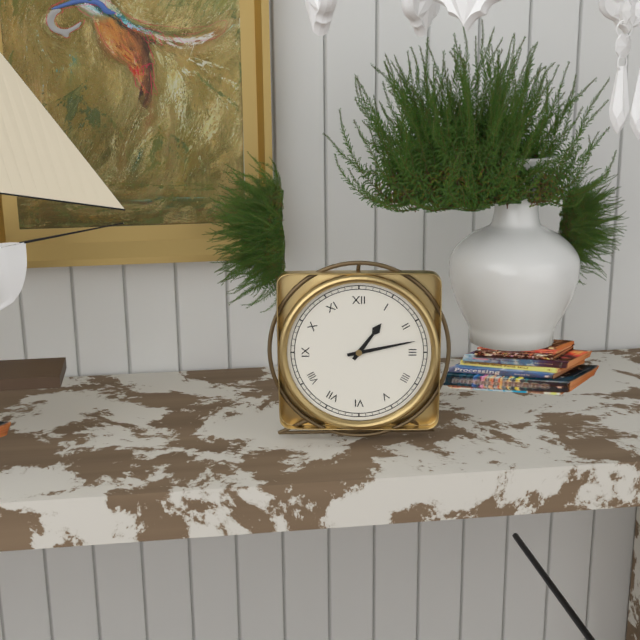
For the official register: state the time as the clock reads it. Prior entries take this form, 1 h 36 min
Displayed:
1 h 13 min
